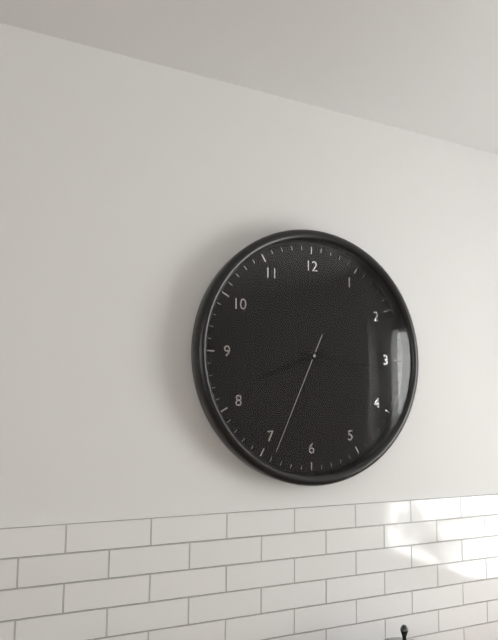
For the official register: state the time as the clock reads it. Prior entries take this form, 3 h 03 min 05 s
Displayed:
8 h 16 min 34 s
